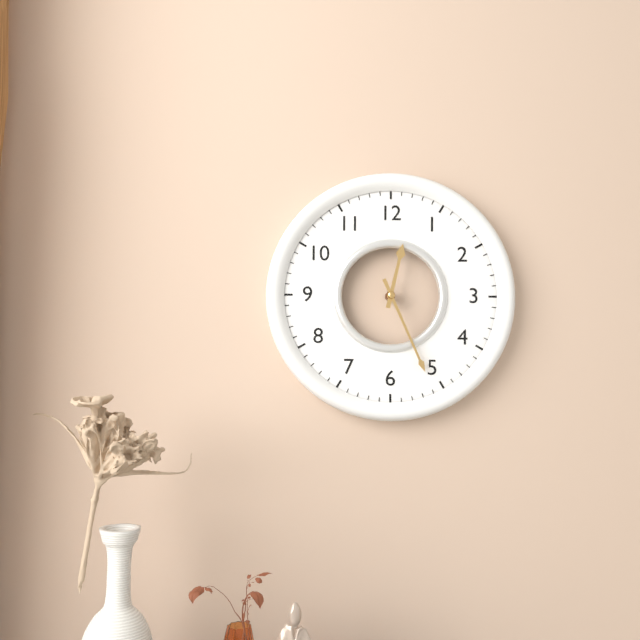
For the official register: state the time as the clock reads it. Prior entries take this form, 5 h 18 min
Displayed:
12 h 26 min
